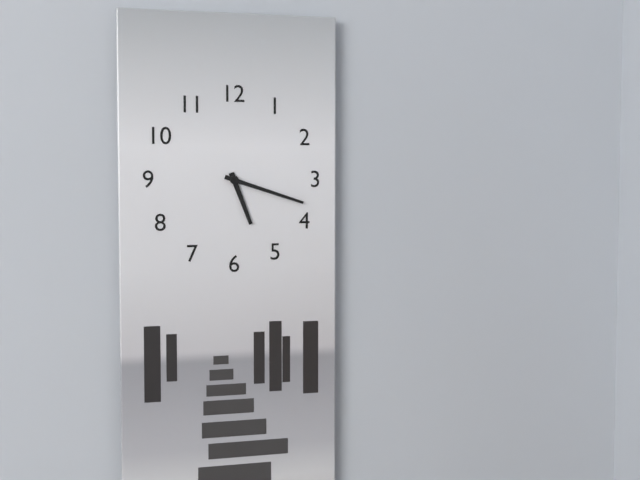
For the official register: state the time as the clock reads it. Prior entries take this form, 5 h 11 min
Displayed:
5 h 18 min
